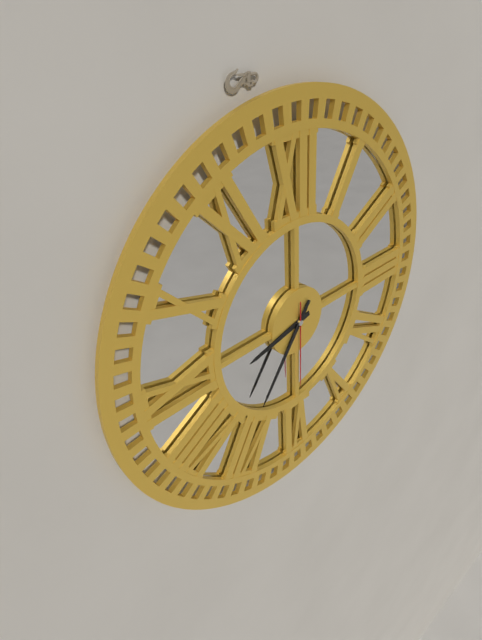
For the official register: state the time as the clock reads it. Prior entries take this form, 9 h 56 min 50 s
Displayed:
8 h 36 min 30 s
